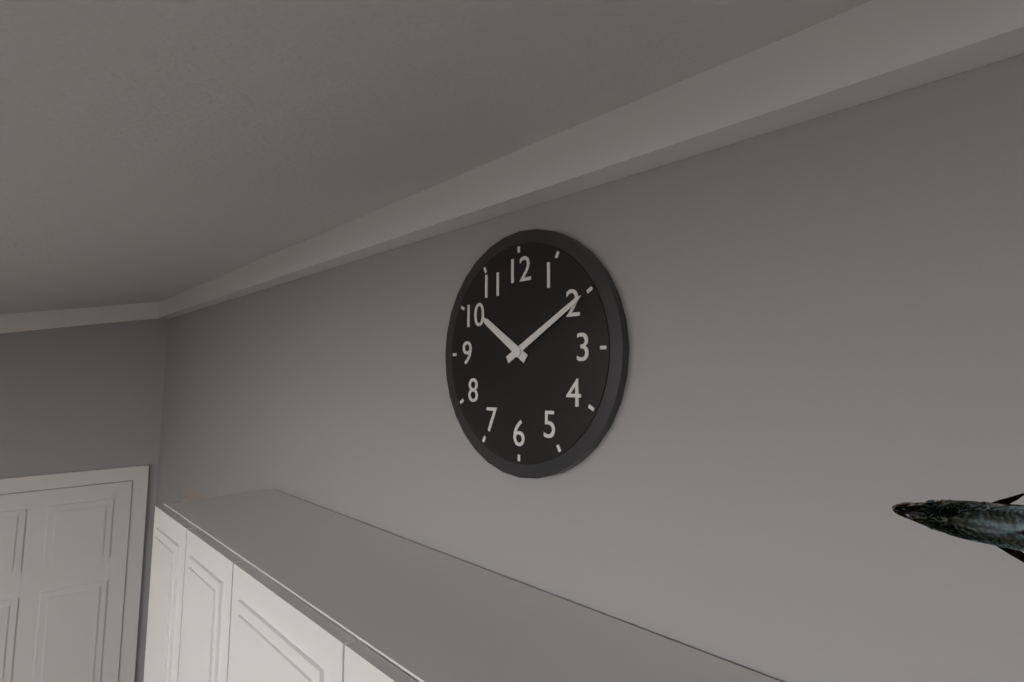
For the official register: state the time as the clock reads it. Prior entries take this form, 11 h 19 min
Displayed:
10 h 10 min
